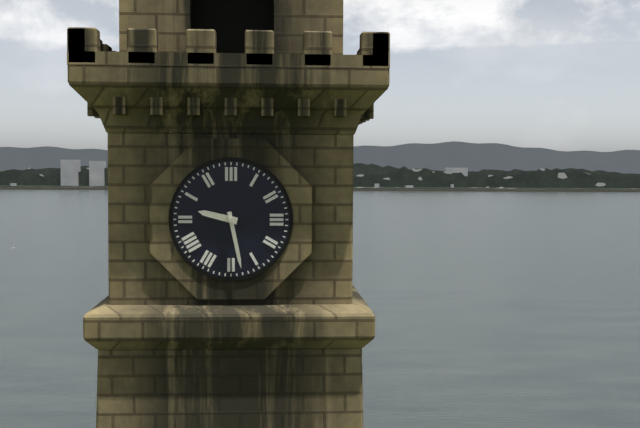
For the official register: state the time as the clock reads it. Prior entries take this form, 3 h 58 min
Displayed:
9 h 28 min
